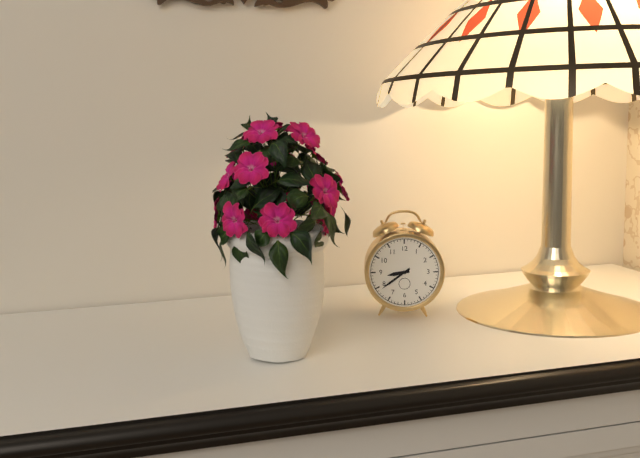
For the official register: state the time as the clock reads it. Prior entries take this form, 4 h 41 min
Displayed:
8 h 39 min
